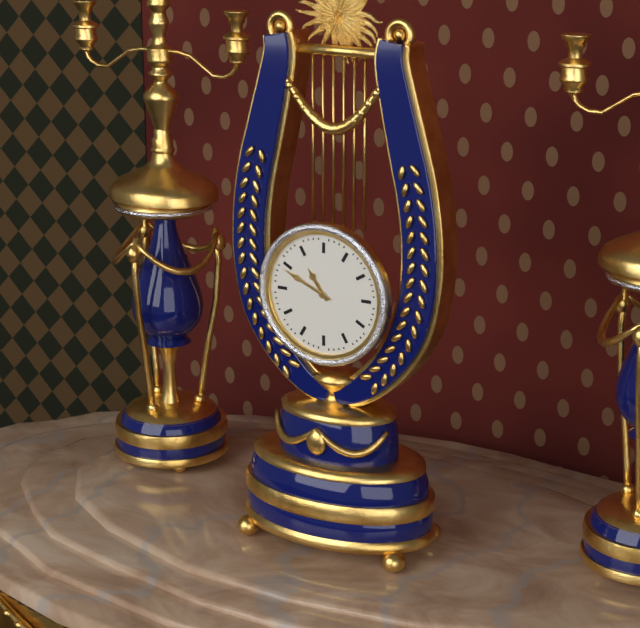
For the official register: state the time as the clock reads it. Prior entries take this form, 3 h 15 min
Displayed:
10 h 49 min
